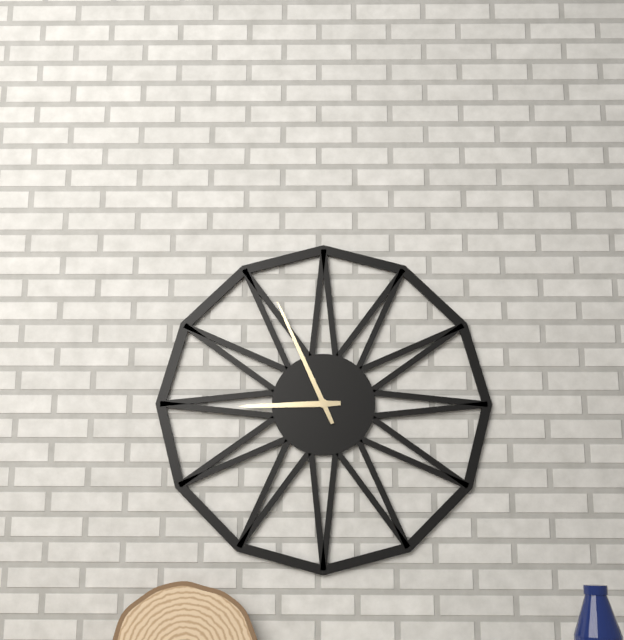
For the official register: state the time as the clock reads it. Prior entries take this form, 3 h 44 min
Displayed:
8 h 56 min
